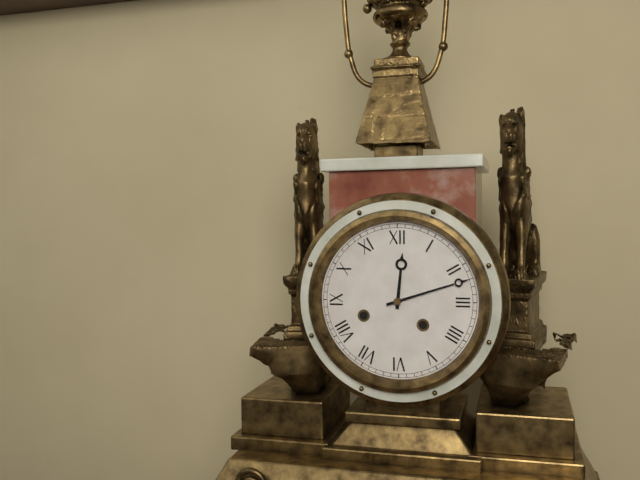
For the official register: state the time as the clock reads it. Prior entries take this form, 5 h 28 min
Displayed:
12 h 12 min
